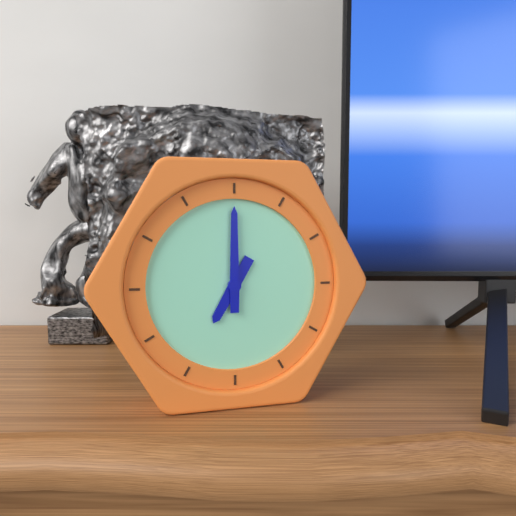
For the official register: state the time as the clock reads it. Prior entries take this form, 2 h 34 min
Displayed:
7 h 00 min
